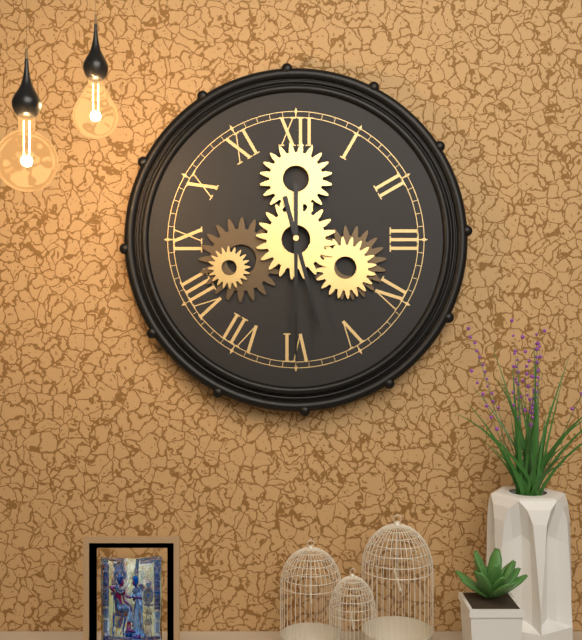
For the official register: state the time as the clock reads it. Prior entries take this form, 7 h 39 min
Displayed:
5 h 30 min
